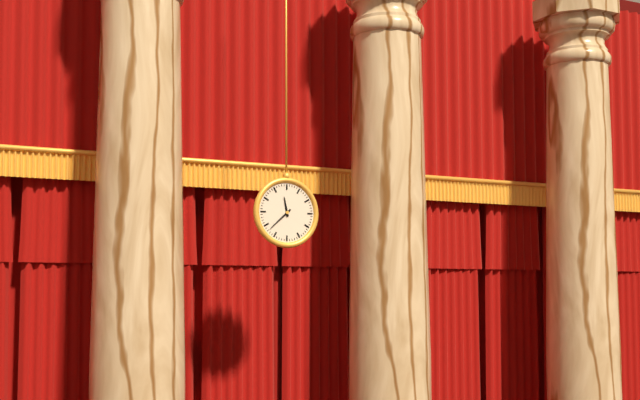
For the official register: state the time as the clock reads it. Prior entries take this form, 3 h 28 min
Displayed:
11 h 38 min
